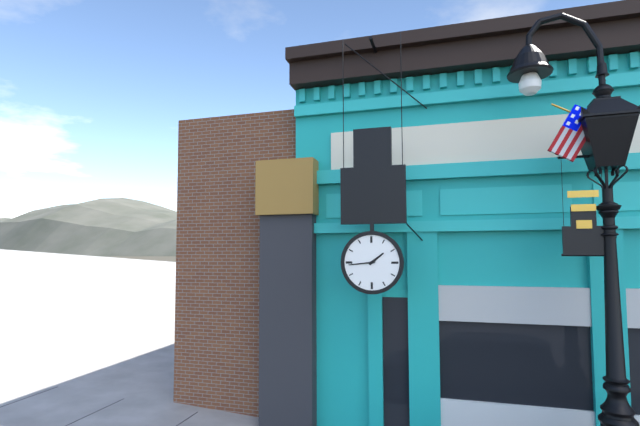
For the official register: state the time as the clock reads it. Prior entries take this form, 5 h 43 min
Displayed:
1 h 44 min
